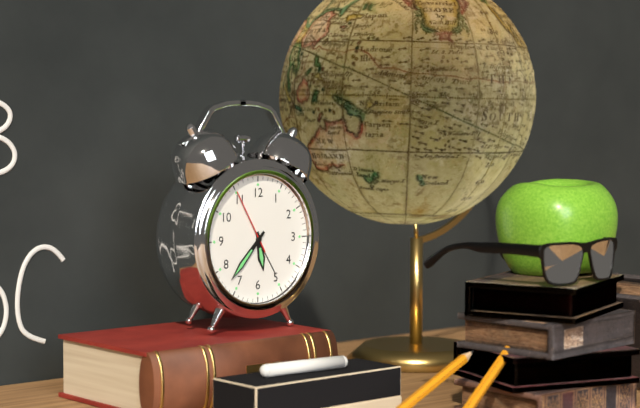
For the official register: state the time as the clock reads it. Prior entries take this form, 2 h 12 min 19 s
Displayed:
5 h 37 min 55 s
